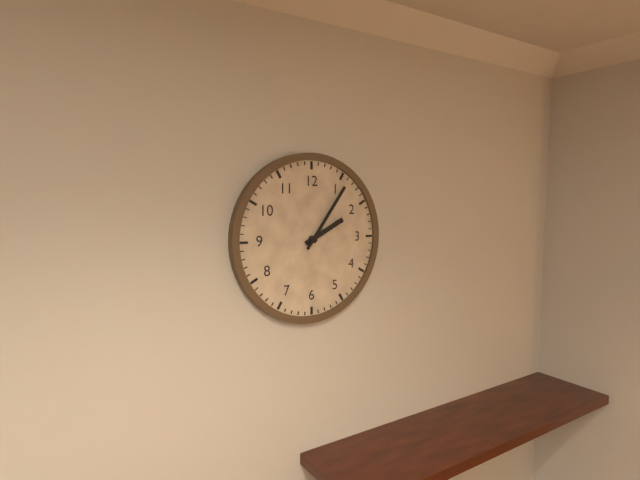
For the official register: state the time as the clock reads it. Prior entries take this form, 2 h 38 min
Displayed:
2 h 06 min
